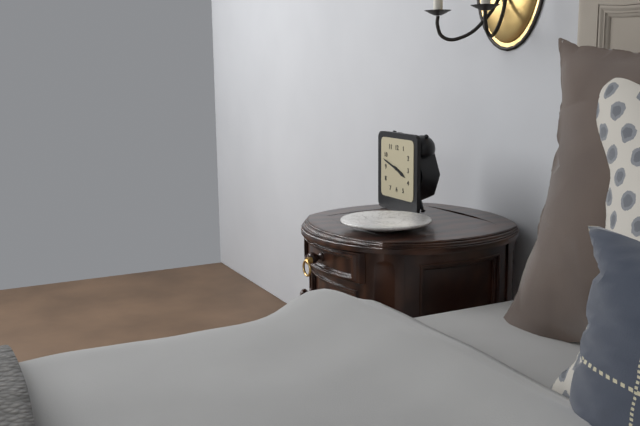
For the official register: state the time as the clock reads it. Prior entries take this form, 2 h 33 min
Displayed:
3 h 48 min
